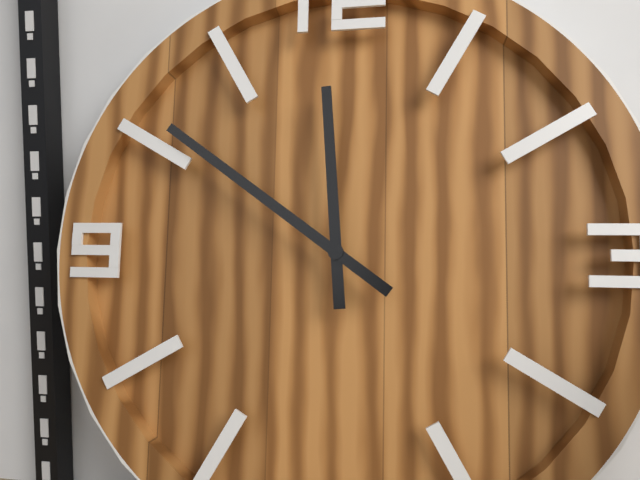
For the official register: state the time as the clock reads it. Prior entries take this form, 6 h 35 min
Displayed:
11 h 51 min
